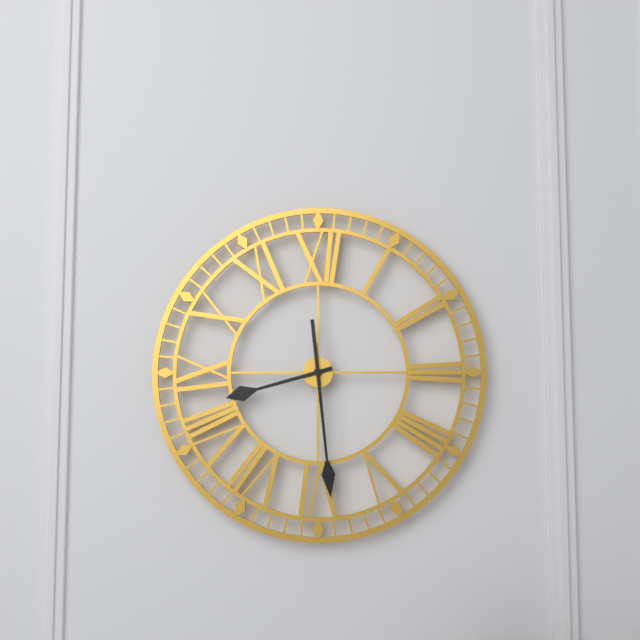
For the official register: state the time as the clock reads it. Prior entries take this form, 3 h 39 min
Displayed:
8 h 29 min
